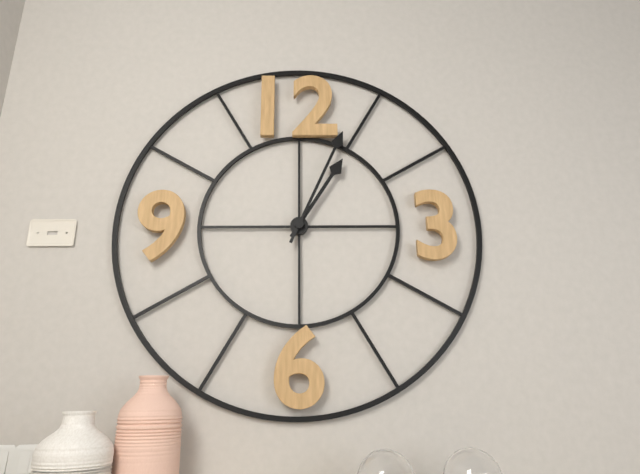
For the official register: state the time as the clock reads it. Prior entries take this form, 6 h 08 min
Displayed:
1 h 04 min
